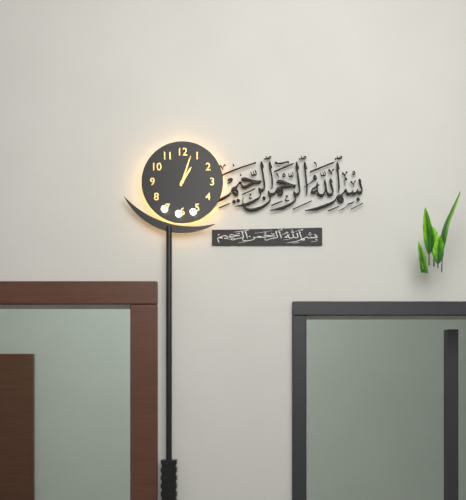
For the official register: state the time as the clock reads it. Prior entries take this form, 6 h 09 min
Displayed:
1 h 03 min
